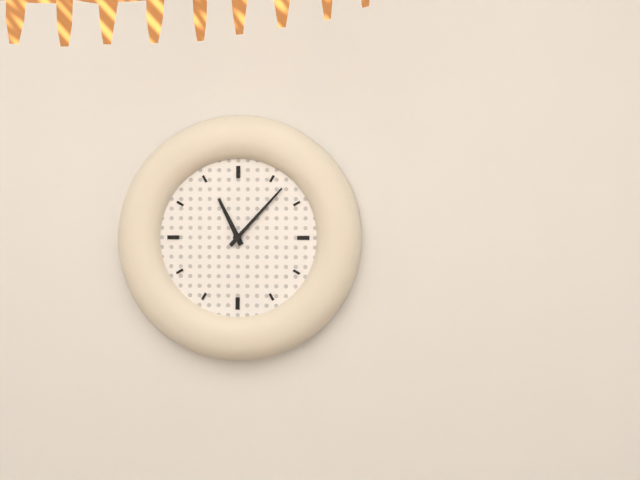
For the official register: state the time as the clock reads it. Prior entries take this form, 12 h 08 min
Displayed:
11 h 07 min
